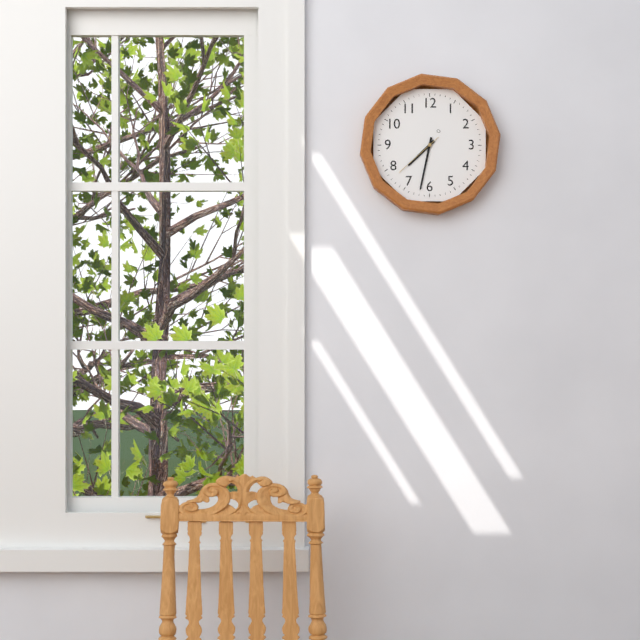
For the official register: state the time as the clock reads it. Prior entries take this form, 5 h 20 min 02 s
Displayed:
7 h 32 min 38 s
